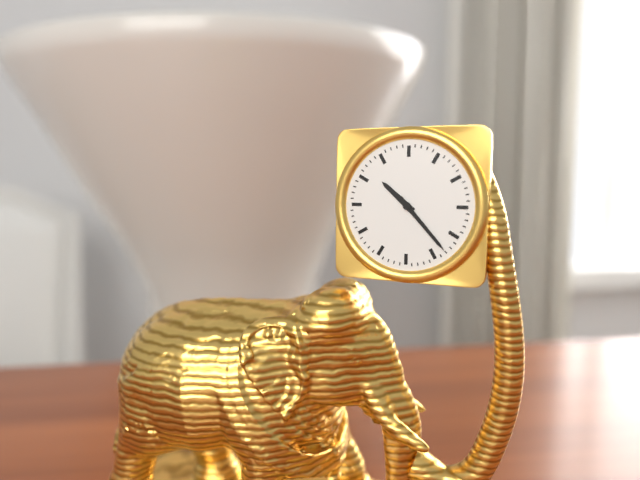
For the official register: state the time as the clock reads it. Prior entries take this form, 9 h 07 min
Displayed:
10 h 23 min
